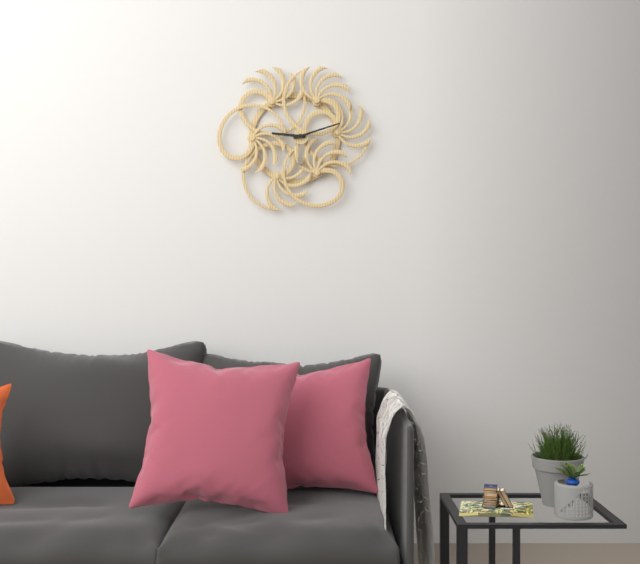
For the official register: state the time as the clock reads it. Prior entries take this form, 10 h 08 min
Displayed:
9 h 12 min
